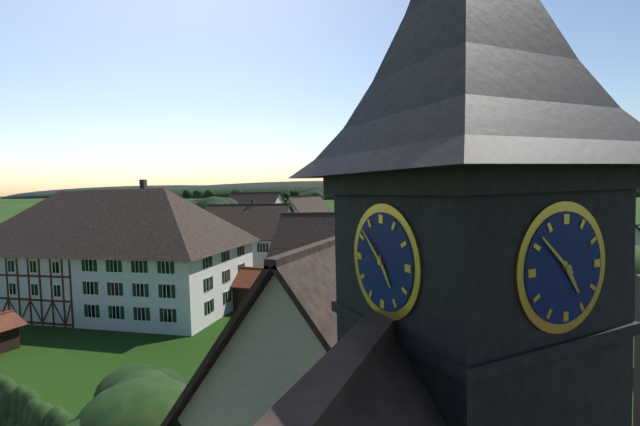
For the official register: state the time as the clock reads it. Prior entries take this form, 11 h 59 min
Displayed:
4 h 52 min
